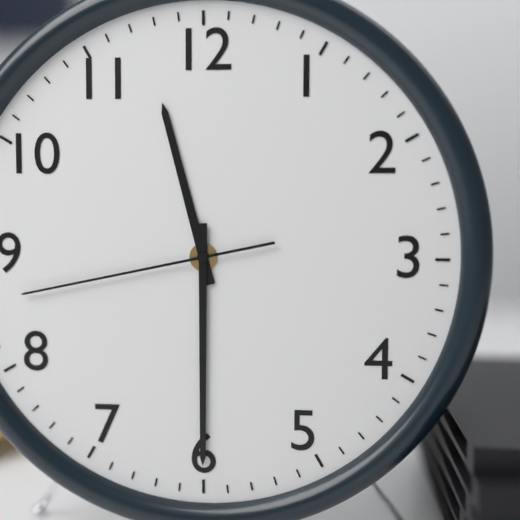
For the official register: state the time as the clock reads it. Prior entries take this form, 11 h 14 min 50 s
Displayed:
11 h 30 min 43 s
